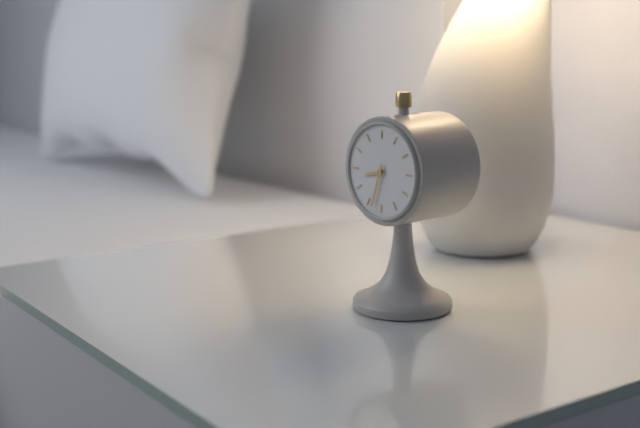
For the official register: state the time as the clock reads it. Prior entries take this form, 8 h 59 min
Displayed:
8 h 33 min
